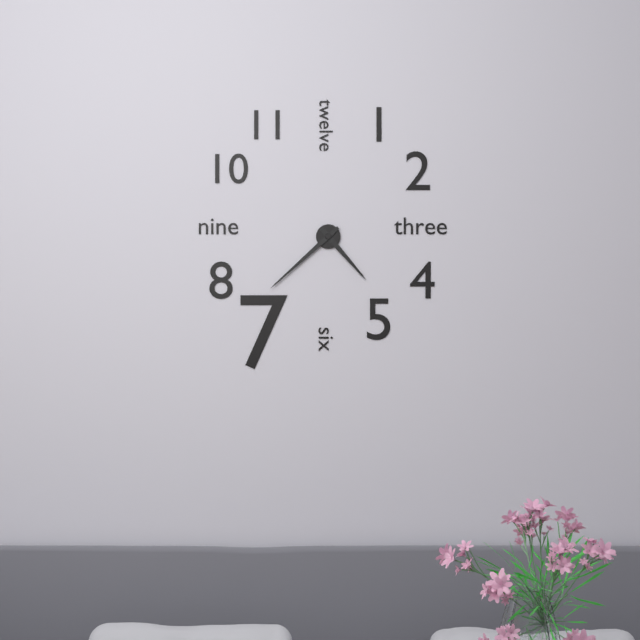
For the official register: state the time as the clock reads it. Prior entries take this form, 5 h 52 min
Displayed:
4 h 38 min
